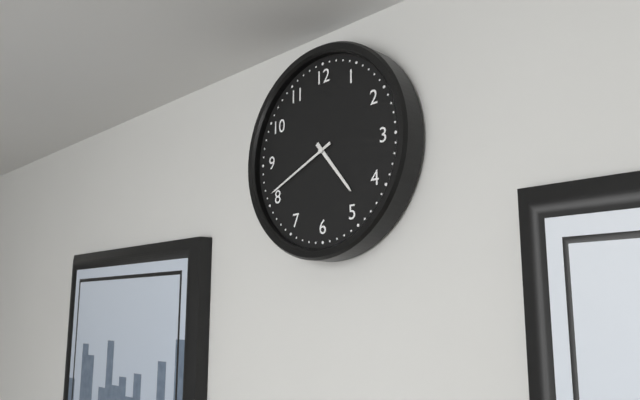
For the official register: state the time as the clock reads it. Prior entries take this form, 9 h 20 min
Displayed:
4 h 41 min
